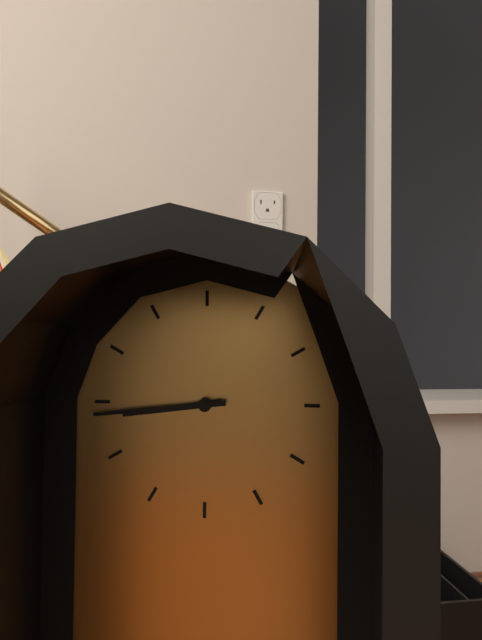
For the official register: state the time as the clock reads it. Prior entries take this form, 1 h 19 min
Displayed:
8 h 44 min
